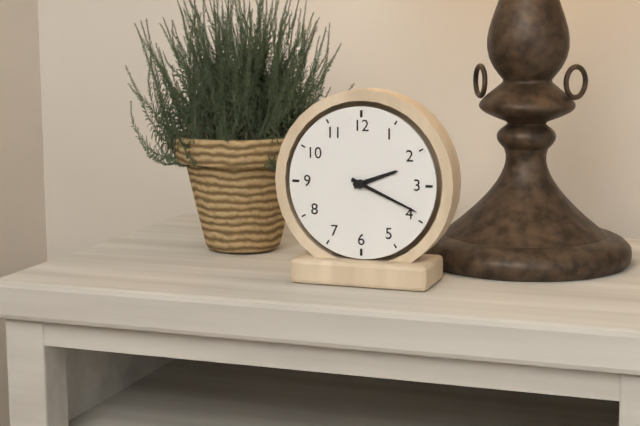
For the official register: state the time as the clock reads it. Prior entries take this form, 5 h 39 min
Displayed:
2 h 19 min
